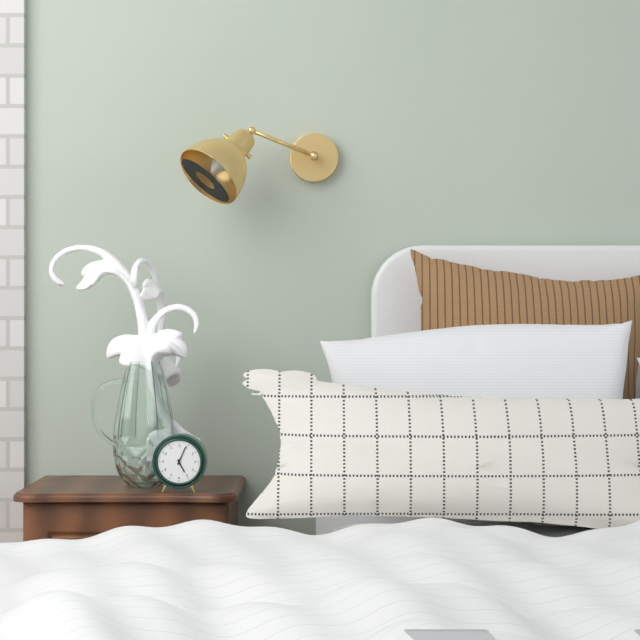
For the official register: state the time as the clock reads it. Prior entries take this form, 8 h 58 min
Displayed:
5 h 04 min
